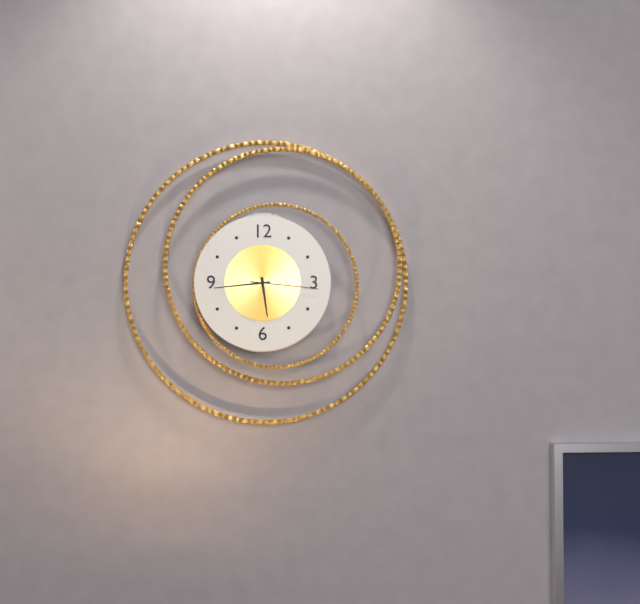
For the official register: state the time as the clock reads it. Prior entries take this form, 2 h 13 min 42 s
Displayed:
5 h 44 min 16 s
